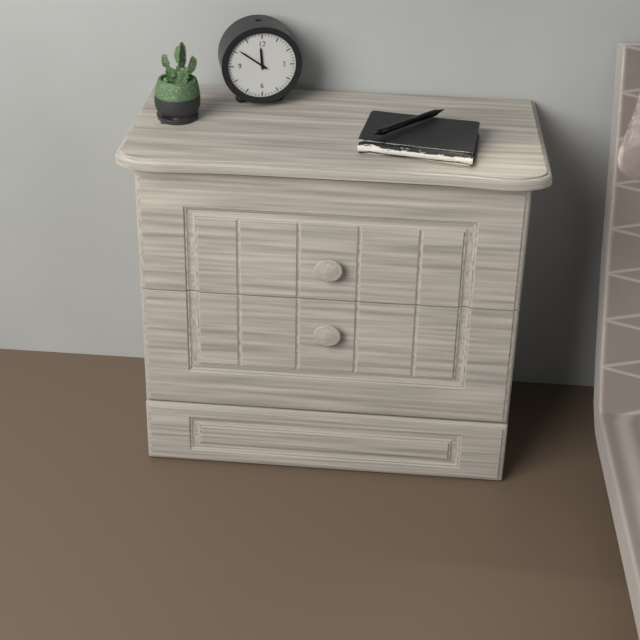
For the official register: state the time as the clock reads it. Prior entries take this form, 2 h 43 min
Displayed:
11 h 51 min
